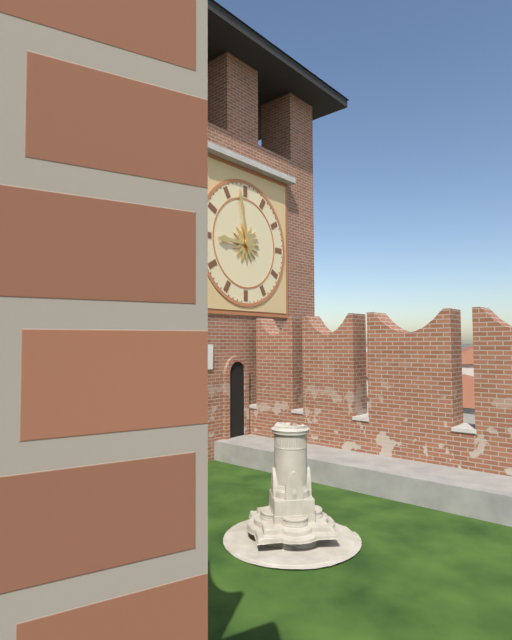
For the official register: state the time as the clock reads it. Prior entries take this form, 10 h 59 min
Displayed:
8 h 58 min
